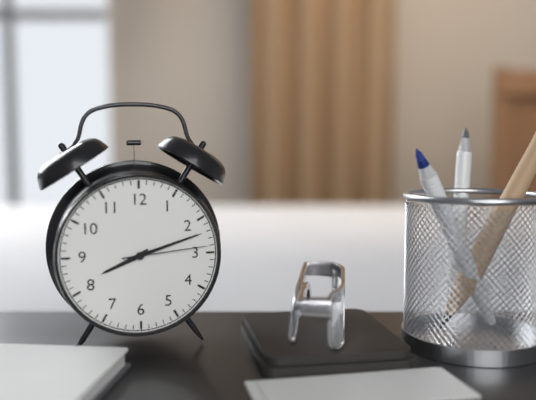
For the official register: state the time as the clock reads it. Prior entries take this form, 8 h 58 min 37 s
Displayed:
8 h 12 min 14 s
